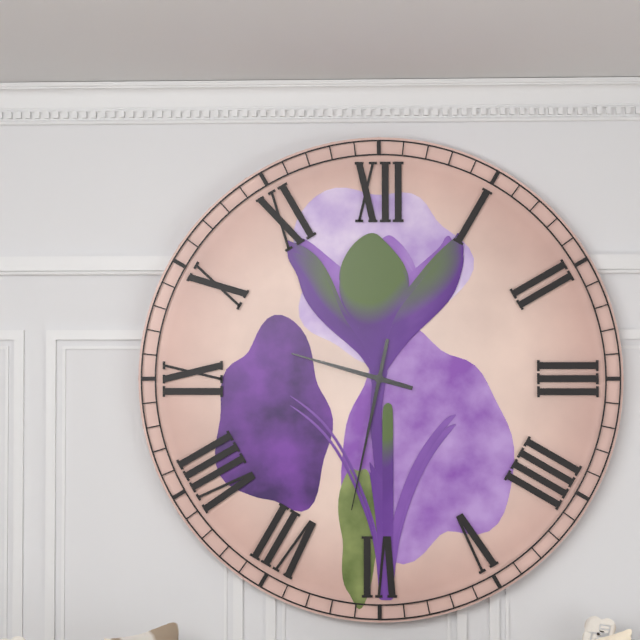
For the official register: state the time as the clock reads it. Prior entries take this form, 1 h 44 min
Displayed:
9 h 32 min
